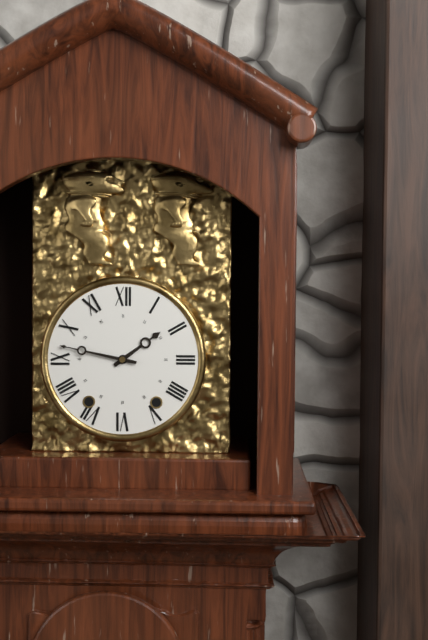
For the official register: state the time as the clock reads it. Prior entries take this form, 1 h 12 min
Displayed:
1 h 47 min
